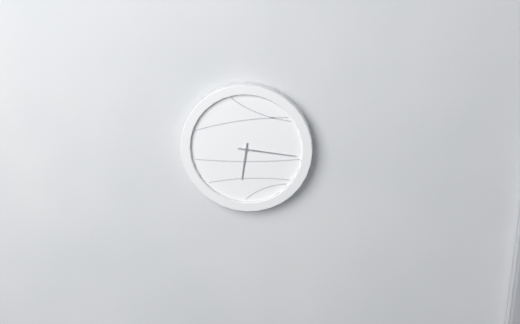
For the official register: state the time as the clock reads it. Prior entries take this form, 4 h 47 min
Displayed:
6 h 16 min
